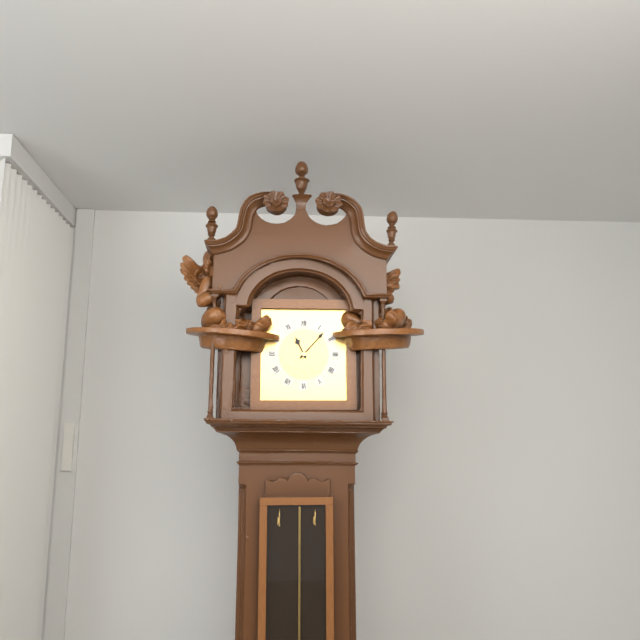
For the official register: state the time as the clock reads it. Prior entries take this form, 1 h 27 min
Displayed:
11 h 07 min
